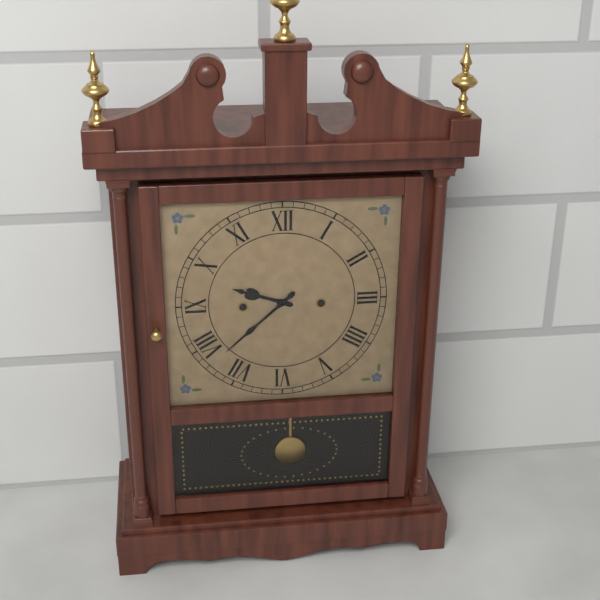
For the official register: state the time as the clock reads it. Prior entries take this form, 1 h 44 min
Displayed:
9 h 38 min
